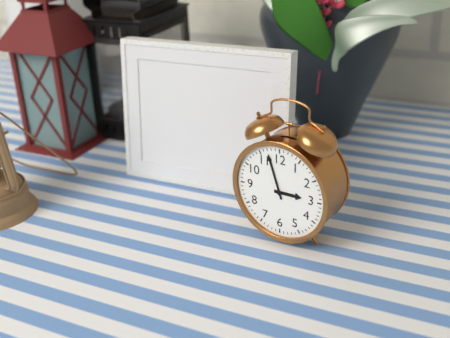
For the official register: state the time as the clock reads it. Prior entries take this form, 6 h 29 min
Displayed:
2 h 57 min
